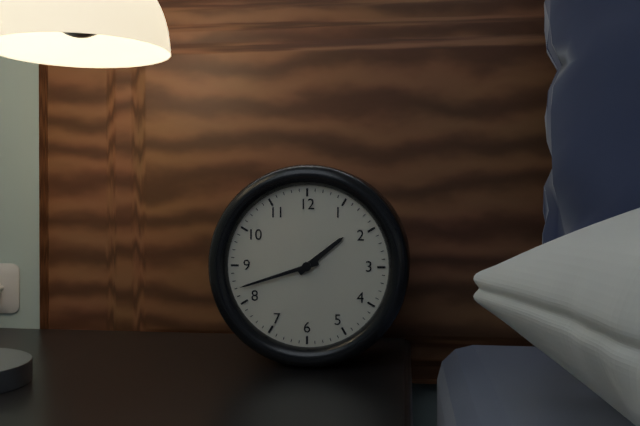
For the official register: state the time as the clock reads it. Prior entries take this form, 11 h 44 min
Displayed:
1 h 42 min
